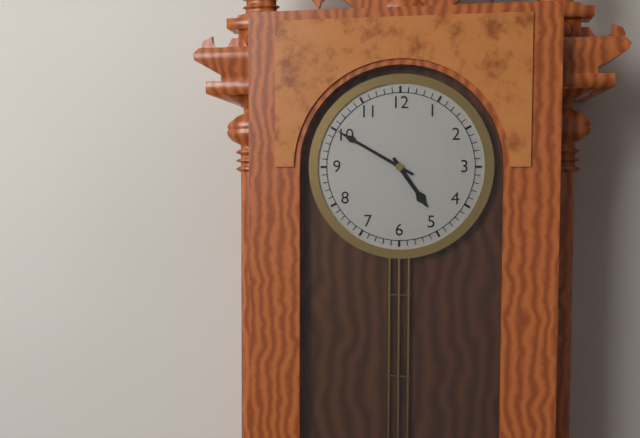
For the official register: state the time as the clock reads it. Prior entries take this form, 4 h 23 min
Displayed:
4 h 50 min
